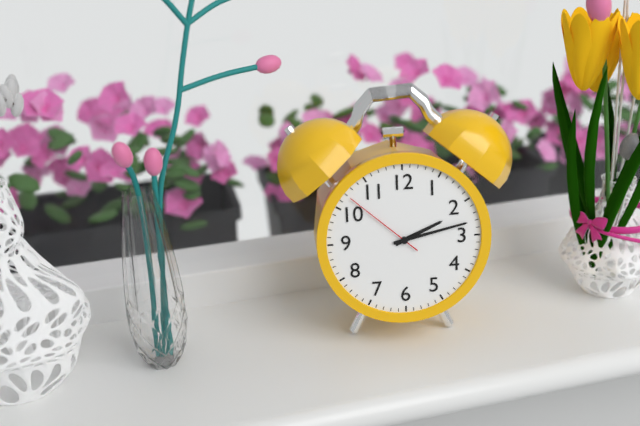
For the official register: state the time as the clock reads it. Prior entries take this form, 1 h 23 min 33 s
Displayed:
2 h 13 min 52 s
